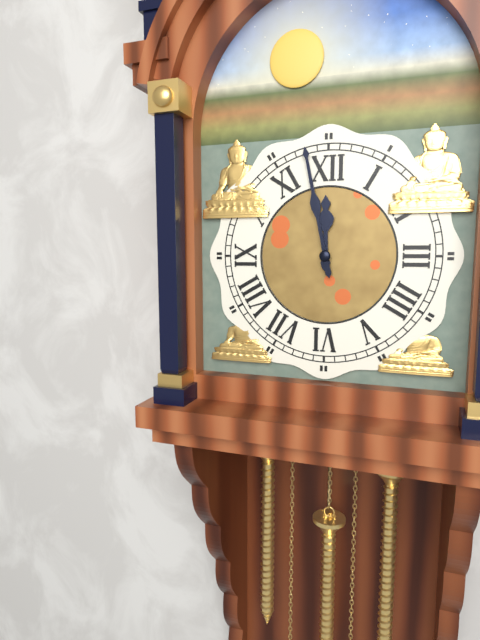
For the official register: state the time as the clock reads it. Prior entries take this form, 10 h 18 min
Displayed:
11 h 58 min
